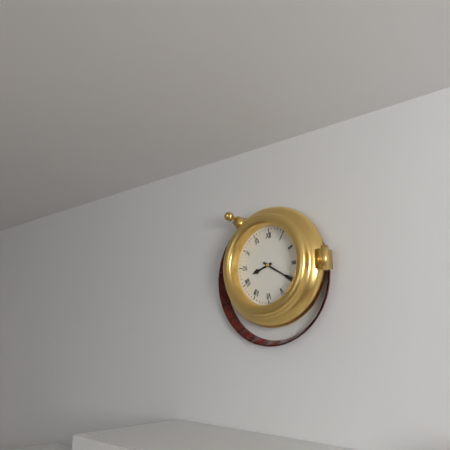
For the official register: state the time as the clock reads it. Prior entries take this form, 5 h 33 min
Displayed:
8 h 20 min
